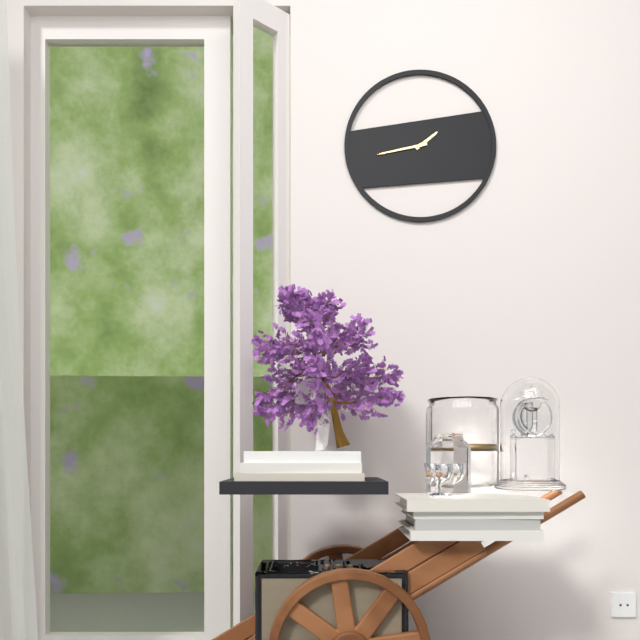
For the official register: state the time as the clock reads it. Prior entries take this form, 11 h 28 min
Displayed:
1 h 43 min
